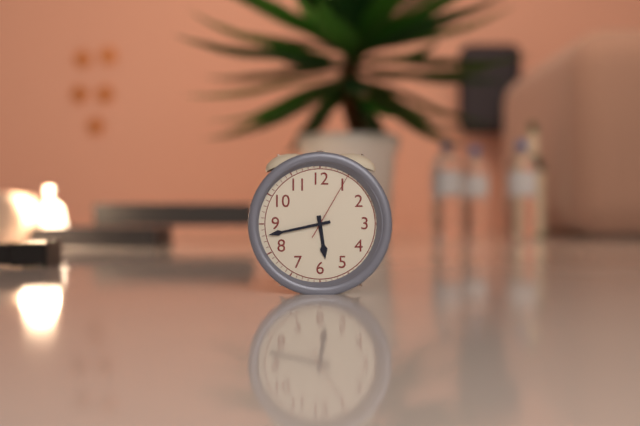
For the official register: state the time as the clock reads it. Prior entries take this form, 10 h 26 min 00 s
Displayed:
5 h 43 min 05 s
